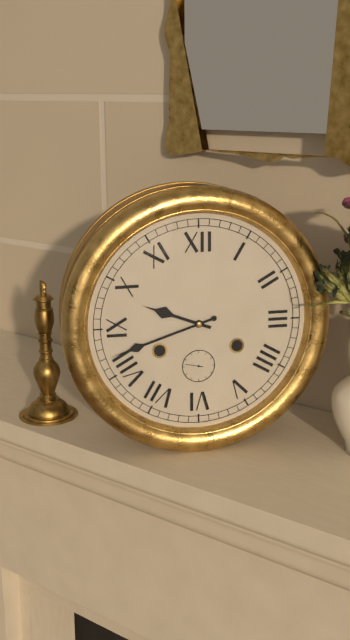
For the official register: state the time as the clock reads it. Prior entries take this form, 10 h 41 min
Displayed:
9 h 42 min
